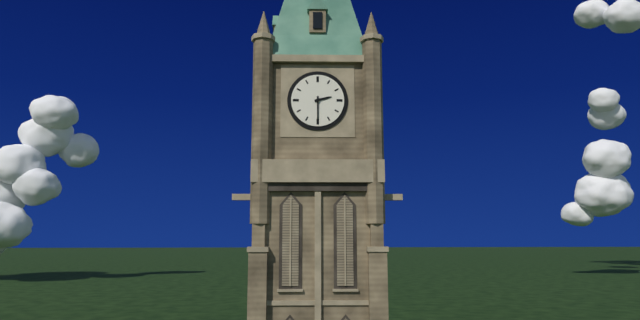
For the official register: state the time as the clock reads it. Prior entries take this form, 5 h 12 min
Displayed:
2 h 30 min
